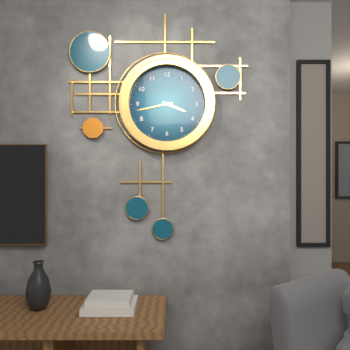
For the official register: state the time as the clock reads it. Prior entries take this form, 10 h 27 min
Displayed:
3 h 43 min
